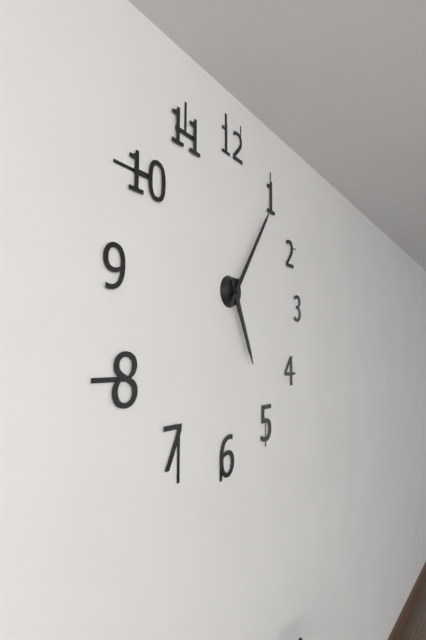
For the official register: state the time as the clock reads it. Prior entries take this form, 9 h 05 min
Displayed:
5 h 06 min
